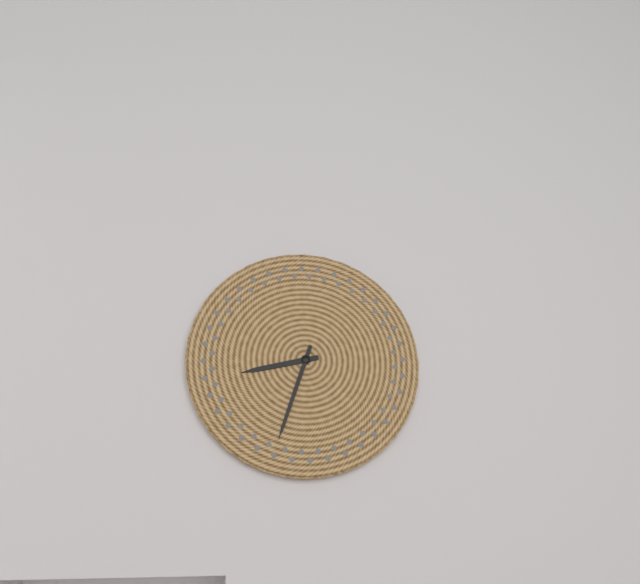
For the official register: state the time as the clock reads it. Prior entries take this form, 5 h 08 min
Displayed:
8 h 33 min
